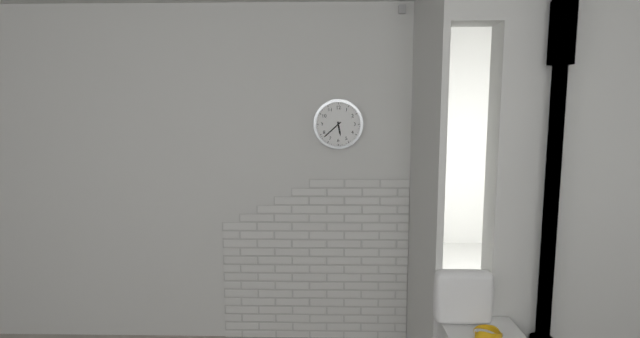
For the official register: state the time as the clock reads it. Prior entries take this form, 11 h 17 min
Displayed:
5 h 38 min
